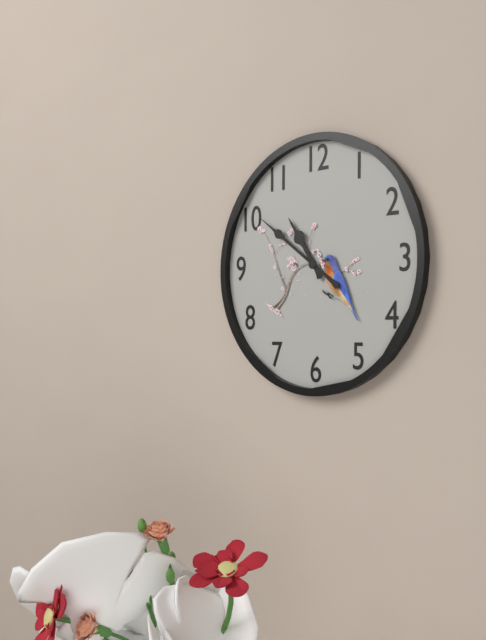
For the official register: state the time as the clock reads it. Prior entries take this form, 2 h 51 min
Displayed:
10 h 51 min
